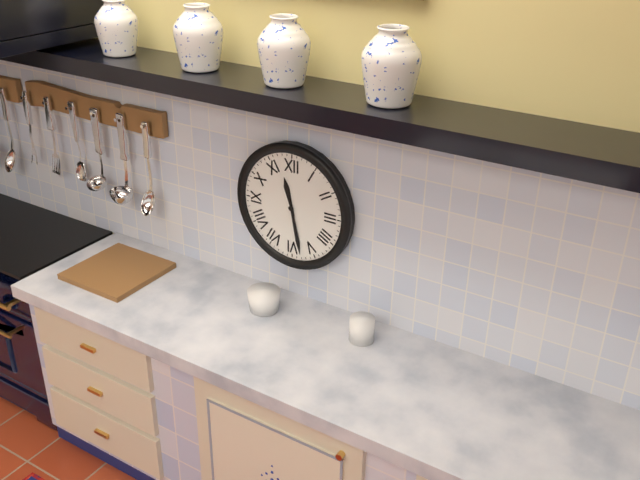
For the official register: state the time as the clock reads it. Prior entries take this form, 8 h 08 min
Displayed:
11 h 28 min
